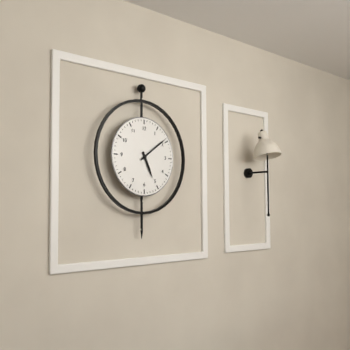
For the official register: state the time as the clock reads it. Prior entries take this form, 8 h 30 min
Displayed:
5 h 09 min
